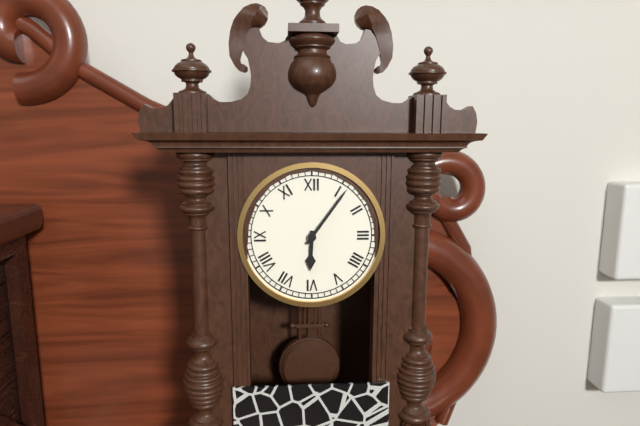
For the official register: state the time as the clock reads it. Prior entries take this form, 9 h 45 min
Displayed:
6 h 06 min
